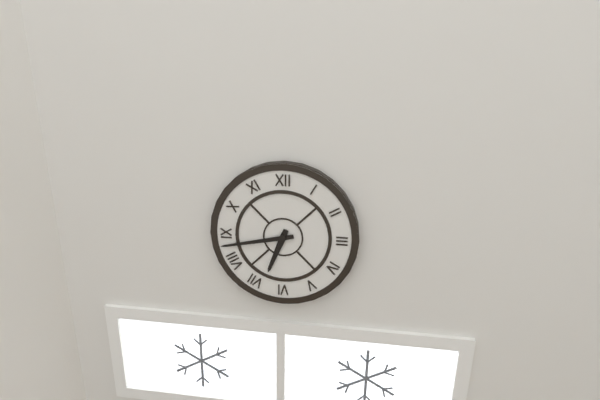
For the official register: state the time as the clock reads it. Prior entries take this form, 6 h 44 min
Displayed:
6 h 43 min
